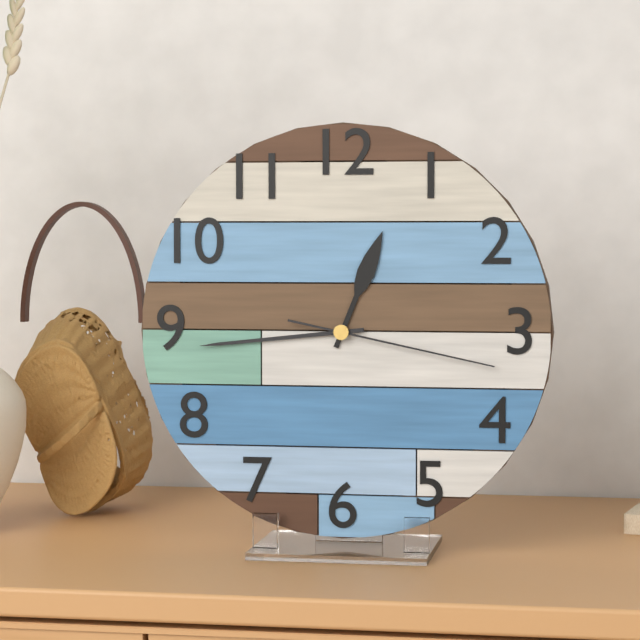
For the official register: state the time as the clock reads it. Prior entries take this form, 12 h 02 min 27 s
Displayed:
12 h 44 min 17 s
